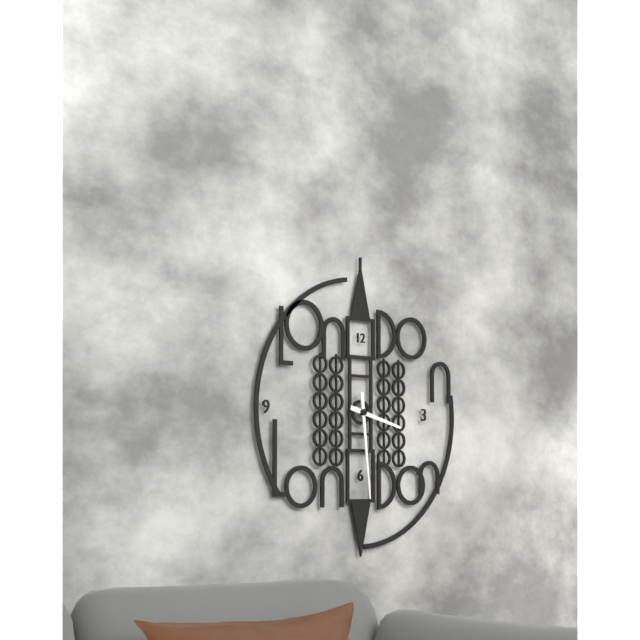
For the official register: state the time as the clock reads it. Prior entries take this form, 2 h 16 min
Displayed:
3 h 29 min
